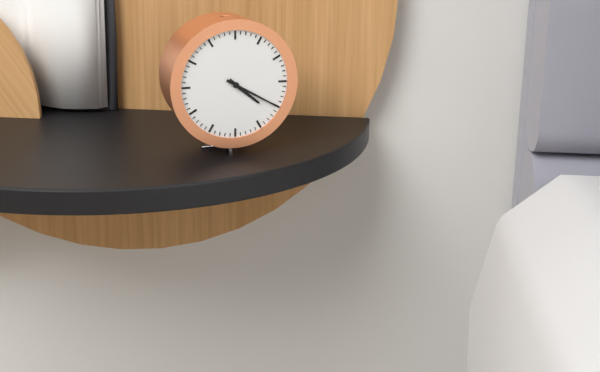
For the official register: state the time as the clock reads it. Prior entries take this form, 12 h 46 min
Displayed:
4 h 20 min
